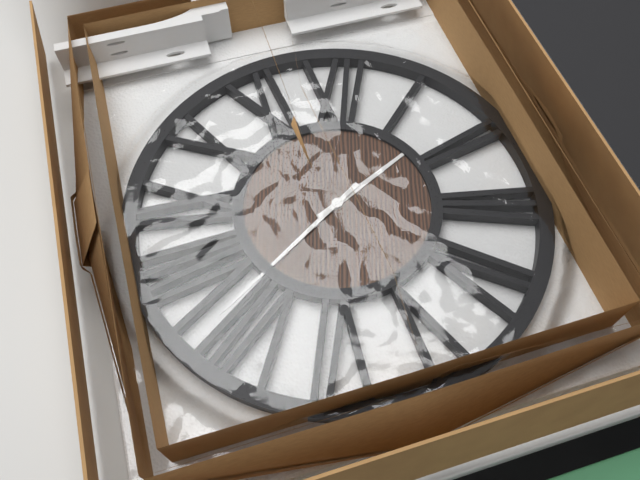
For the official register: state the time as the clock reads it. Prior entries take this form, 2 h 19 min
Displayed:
1 h 37 min
